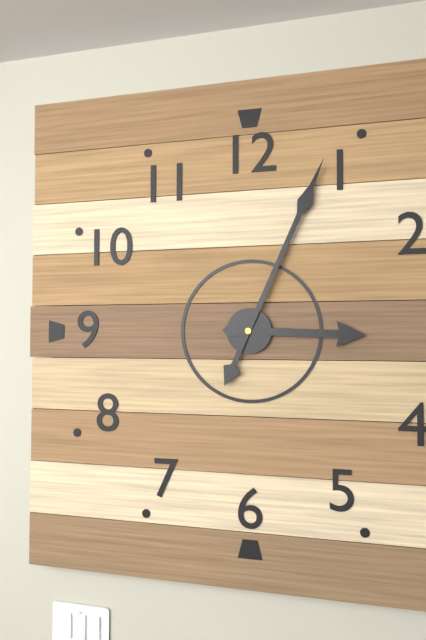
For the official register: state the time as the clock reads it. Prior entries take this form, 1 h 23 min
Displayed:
3 h 04 min
